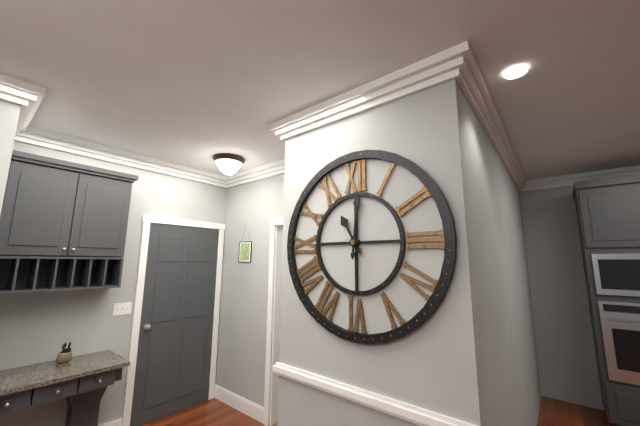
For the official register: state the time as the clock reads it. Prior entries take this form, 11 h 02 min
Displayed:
11 h 01 min
